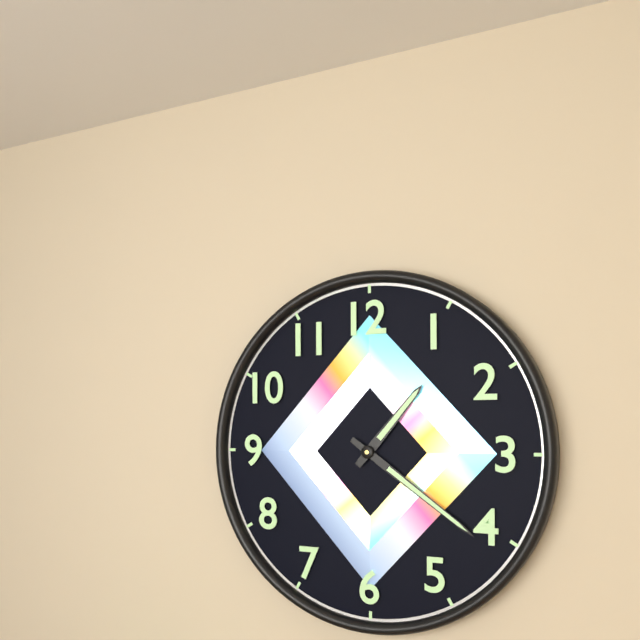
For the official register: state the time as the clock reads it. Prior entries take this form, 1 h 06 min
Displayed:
1 h 21 min
